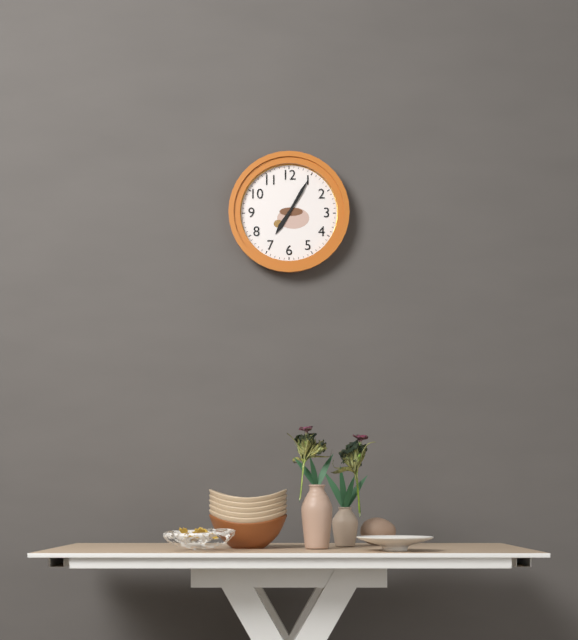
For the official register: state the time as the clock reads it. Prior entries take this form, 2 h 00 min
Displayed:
7 h 05 min
